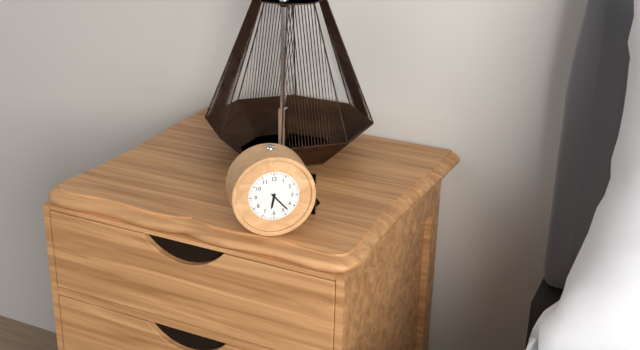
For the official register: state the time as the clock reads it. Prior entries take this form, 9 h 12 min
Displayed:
6 h 23 min
